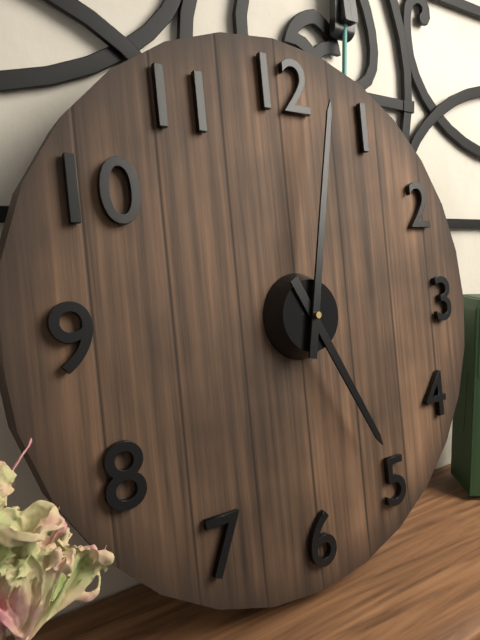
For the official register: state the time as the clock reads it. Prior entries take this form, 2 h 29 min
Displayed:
5 h 02 min
